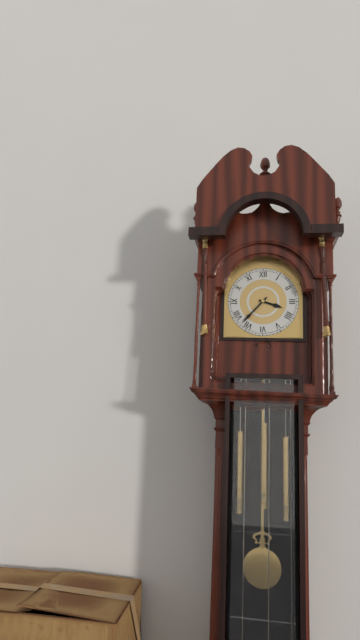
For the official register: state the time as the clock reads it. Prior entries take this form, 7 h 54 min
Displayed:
3 h 37 min
